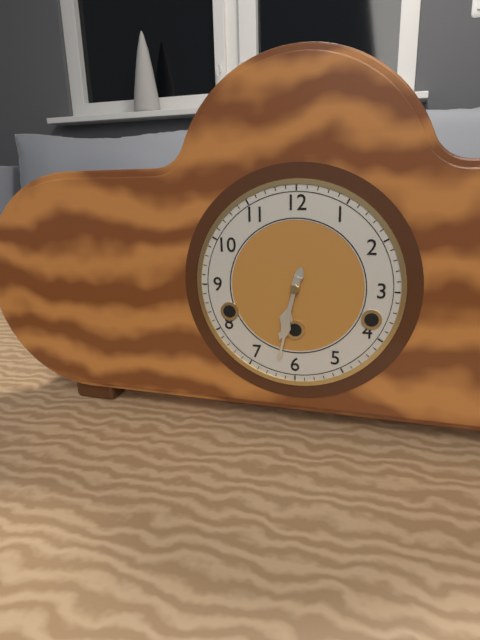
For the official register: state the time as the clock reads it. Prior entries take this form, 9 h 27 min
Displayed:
6 h 32 min
